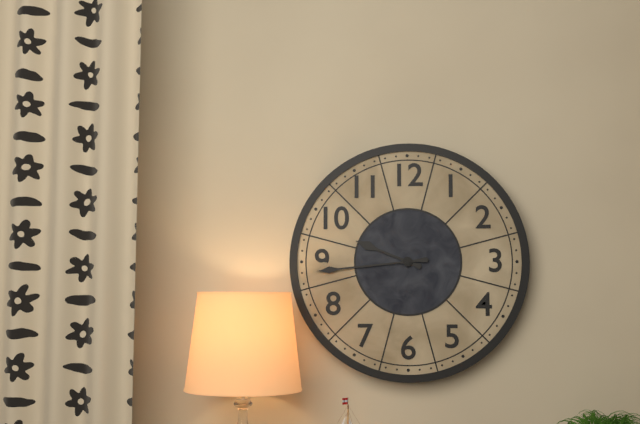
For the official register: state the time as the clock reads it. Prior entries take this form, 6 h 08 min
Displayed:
9 h 44 min
